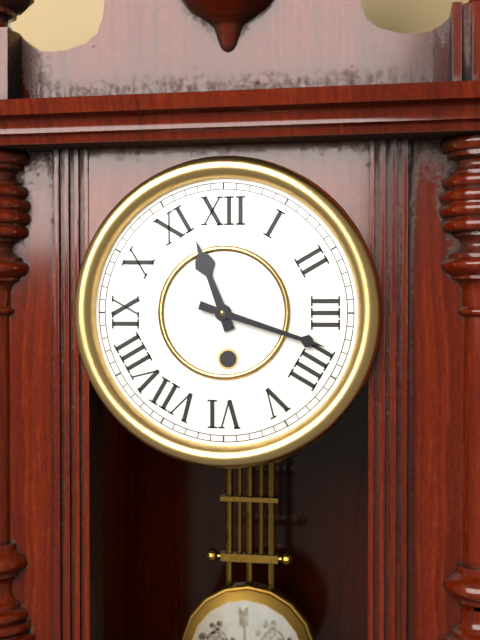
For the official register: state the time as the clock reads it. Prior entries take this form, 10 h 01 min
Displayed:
11 h 18 min
